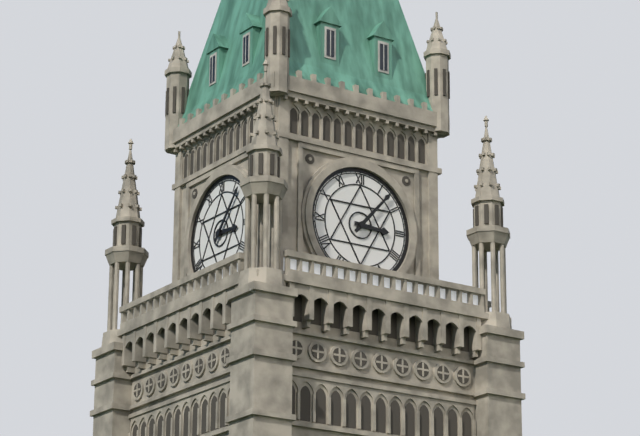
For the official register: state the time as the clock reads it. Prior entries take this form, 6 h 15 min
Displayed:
3 h 07 min
